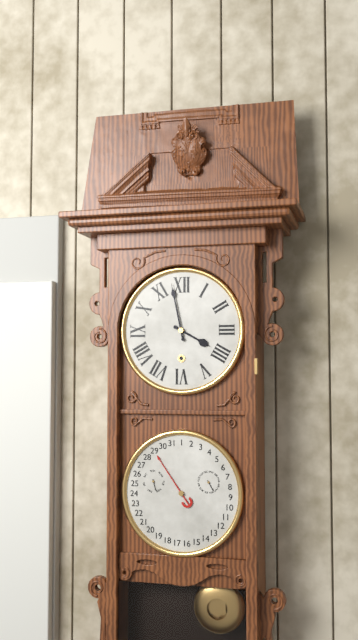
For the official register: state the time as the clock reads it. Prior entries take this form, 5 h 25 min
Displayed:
3 h 58 min
